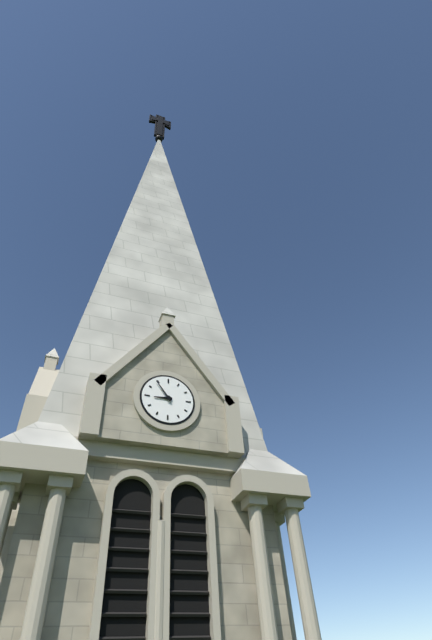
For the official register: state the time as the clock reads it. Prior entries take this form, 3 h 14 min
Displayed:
8 h 54 min
